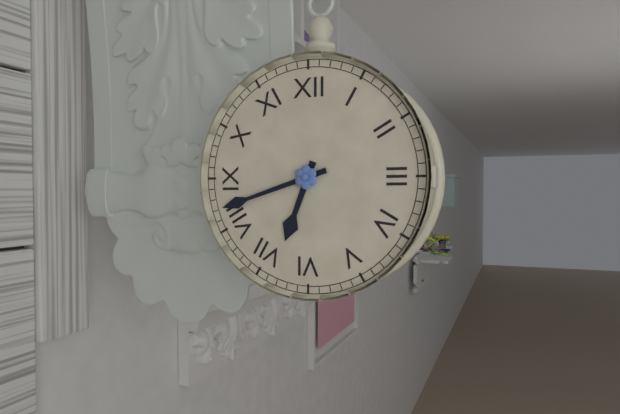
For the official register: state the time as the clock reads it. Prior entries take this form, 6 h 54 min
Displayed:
6 h 42 min
